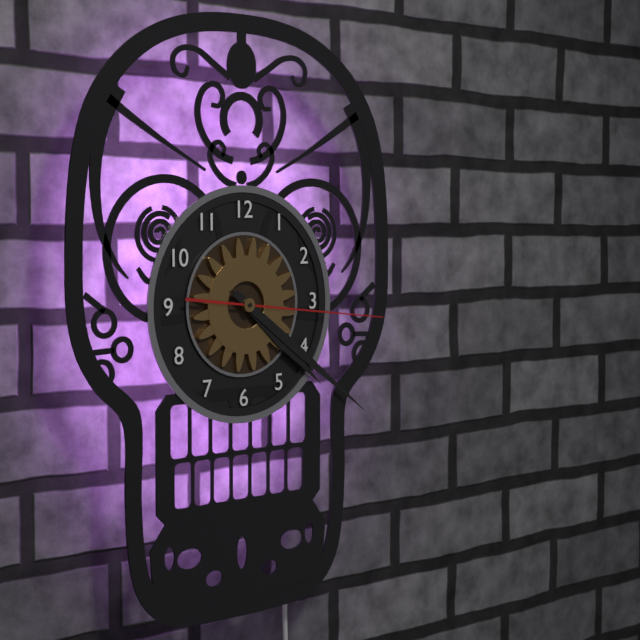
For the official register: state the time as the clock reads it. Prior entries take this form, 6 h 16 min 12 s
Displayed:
4 h 21 min 16 s
